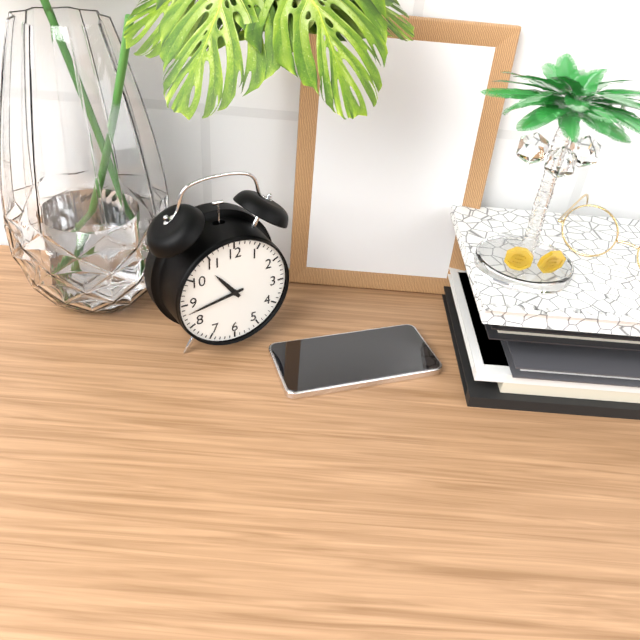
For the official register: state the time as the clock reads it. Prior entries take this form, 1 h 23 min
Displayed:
10 h 43 min
